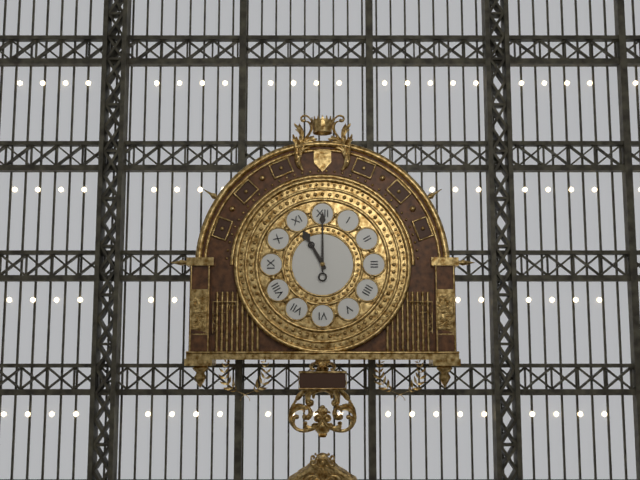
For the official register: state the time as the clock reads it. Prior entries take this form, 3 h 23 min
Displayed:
11 h 00 min
